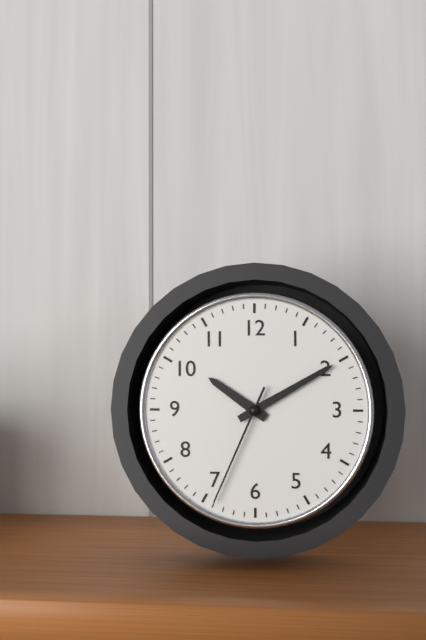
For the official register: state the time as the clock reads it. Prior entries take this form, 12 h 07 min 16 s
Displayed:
10 h 10 min 34 s
